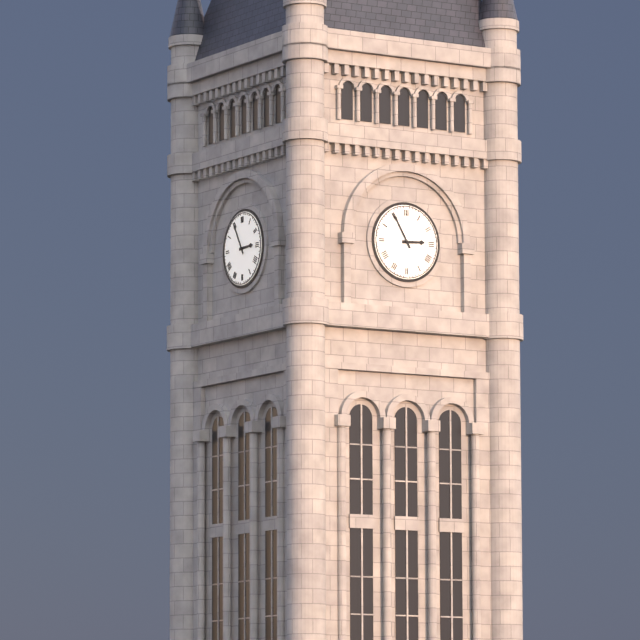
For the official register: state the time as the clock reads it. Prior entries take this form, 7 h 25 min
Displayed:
2 h 55 min
